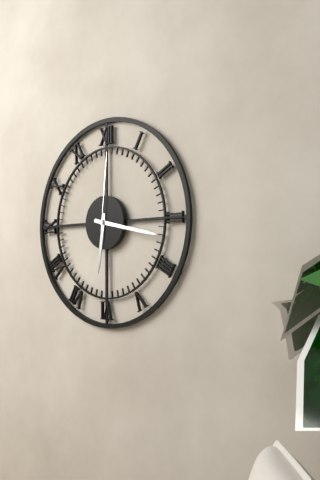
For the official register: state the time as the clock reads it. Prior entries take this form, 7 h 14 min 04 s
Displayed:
6 h 17 min 01 s
